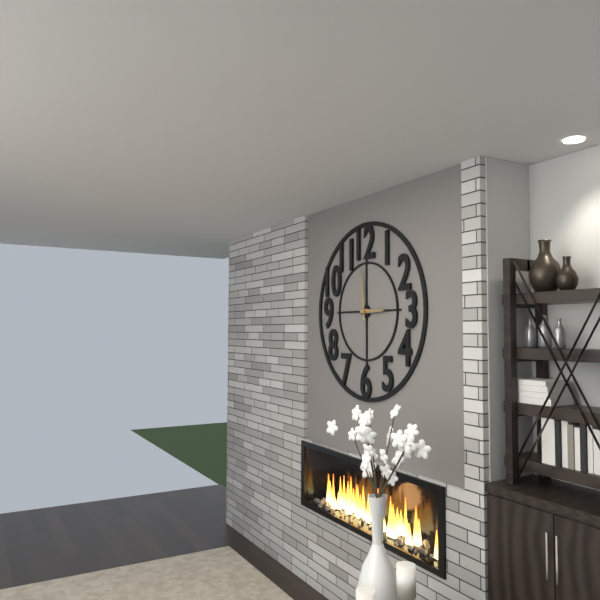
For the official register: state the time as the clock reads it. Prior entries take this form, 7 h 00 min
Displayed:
2 h 59 min
